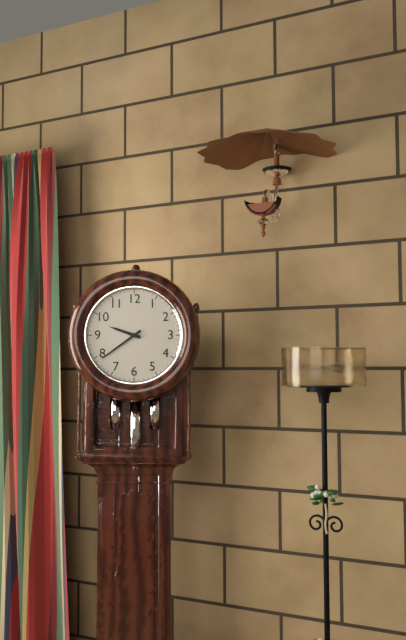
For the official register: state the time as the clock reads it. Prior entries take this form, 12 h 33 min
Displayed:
9 h 39 min
